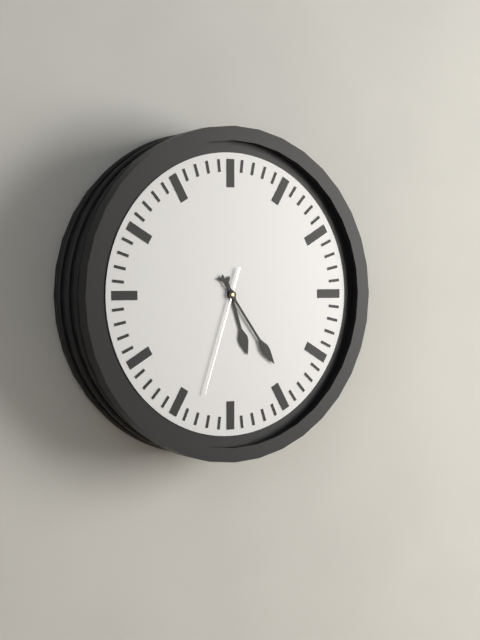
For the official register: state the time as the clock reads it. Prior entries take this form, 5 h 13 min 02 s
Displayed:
5 h 24 min 33 s
